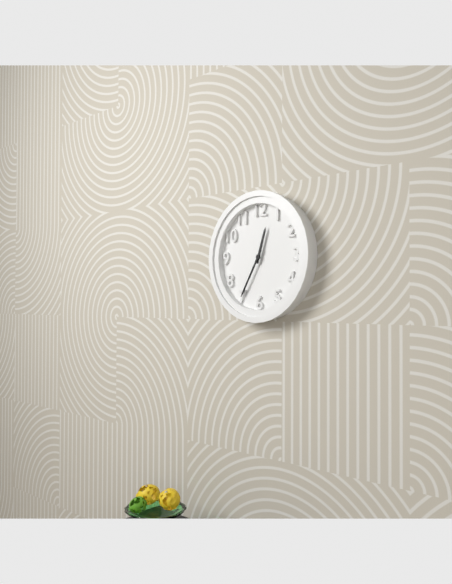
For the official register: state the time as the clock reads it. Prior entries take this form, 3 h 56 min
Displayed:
12 h 35 min
